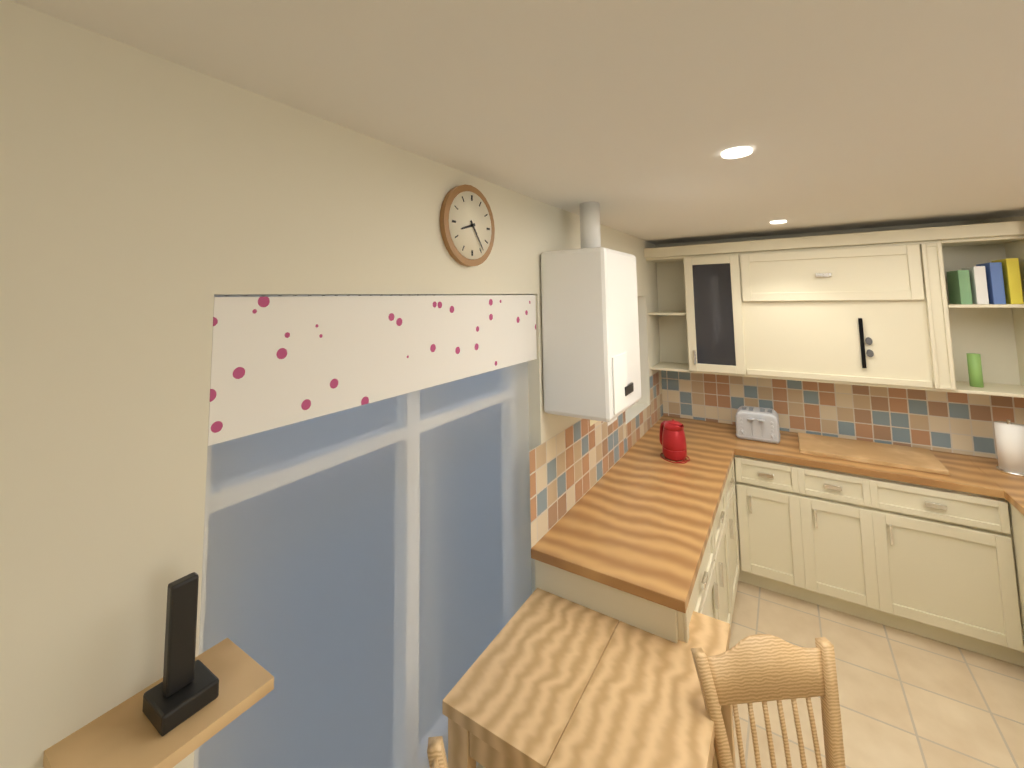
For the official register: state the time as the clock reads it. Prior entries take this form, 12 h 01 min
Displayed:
8 h 24 min
